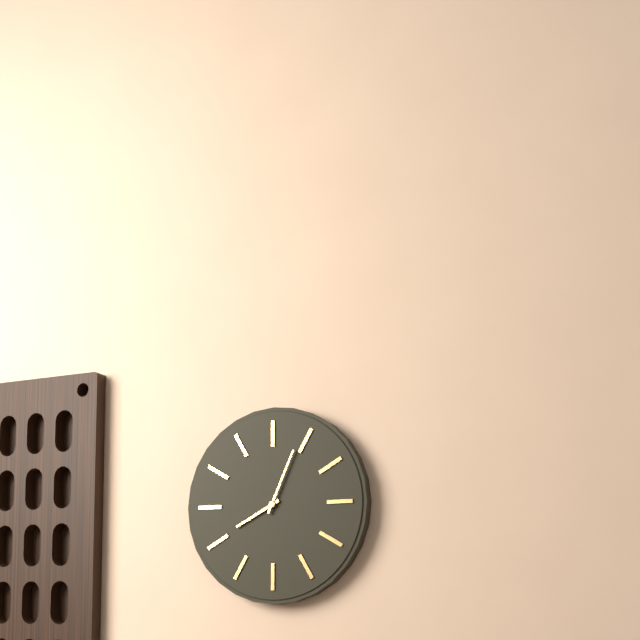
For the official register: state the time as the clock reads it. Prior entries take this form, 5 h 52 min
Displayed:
8 h 04 min
